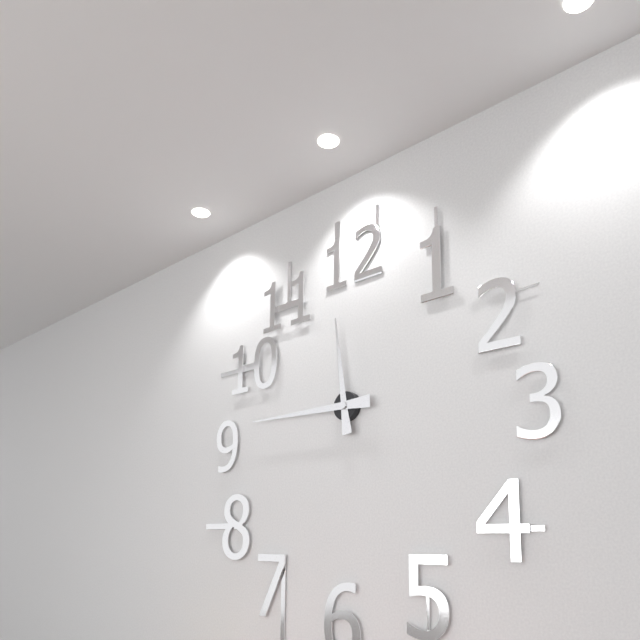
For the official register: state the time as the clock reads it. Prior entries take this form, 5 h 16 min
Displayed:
11 h 45 min
